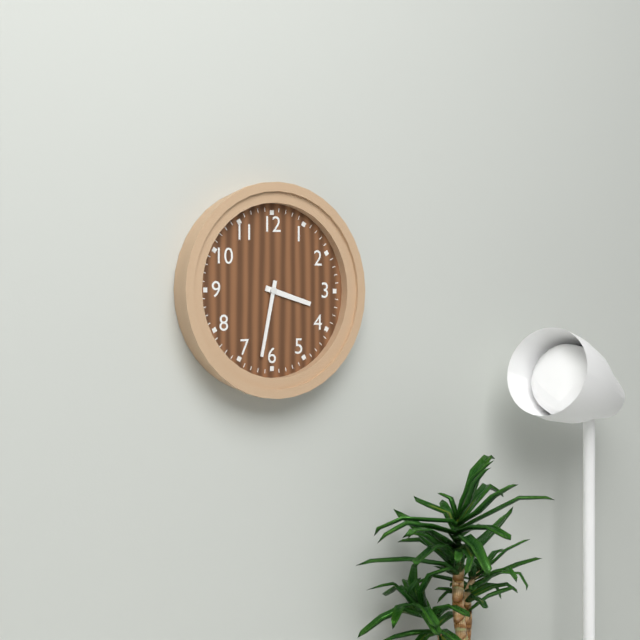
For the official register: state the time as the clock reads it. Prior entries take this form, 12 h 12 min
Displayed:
3 h 32 min
